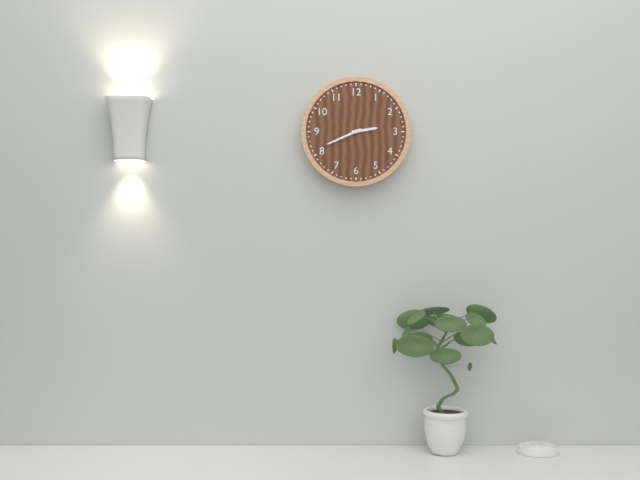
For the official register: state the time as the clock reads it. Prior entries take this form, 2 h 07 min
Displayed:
2 h 41 min
